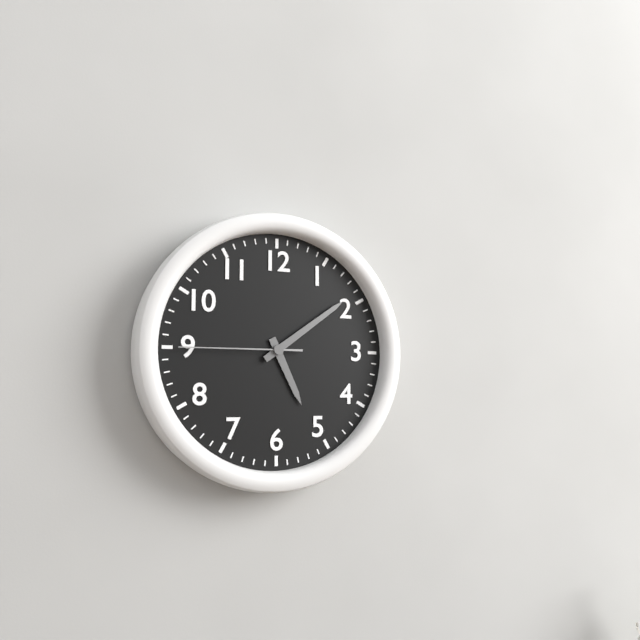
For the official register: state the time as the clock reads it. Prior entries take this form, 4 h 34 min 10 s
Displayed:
5 h 09 min 45 s
